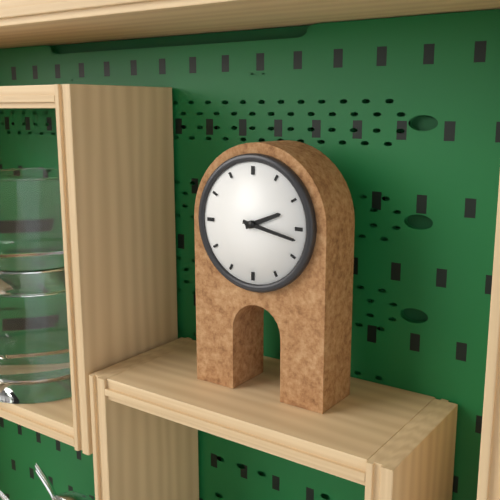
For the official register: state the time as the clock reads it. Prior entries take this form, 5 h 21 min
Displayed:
2 h 17 min
